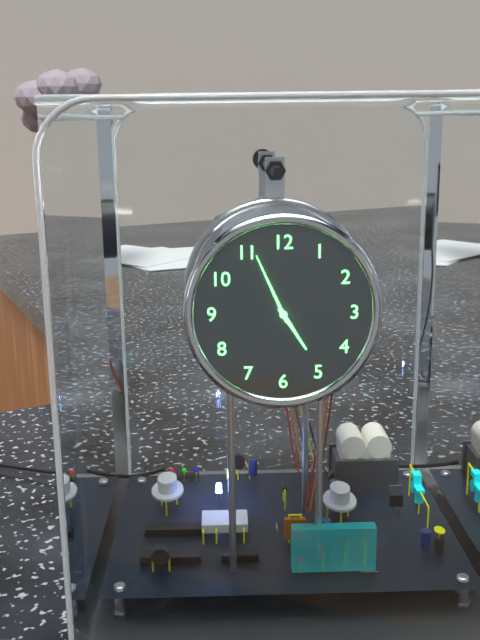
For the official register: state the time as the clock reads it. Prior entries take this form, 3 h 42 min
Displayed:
4 h 56 min
